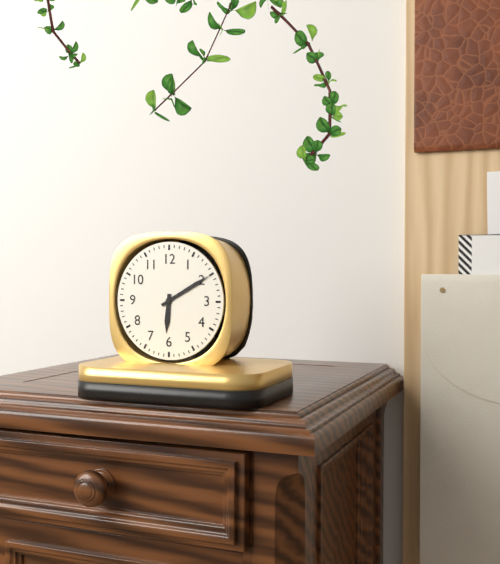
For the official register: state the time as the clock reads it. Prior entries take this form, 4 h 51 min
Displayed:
6 h 10 min
